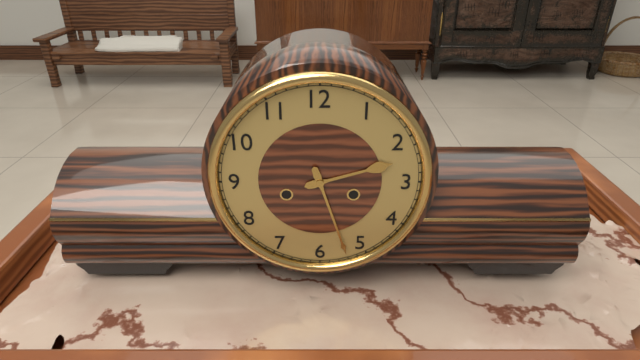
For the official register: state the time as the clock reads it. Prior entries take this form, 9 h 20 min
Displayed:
2 h 27 min
